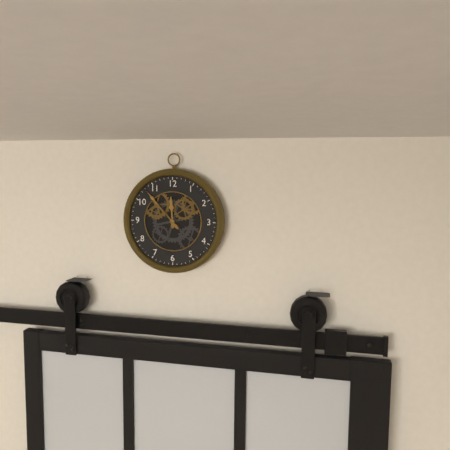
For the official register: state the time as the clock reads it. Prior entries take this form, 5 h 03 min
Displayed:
11 h 53 min
